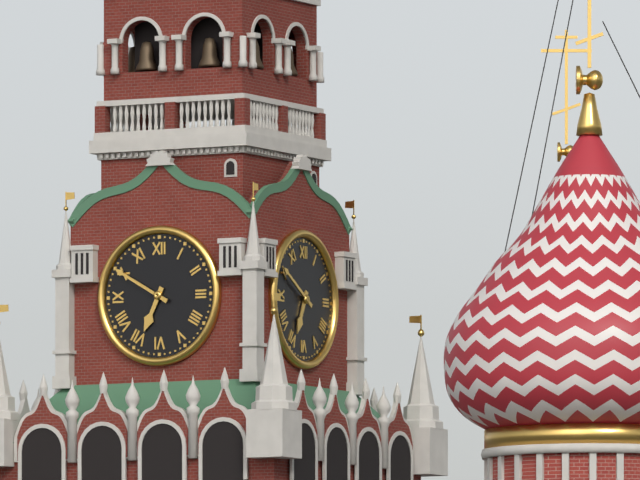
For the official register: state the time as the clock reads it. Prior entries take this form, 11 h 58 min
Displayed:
6 h 50 min
